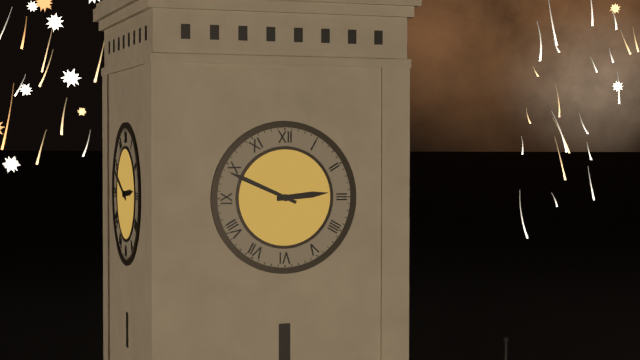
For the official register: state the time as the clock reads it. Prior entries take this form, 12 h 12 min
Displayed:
2 h 49 min
